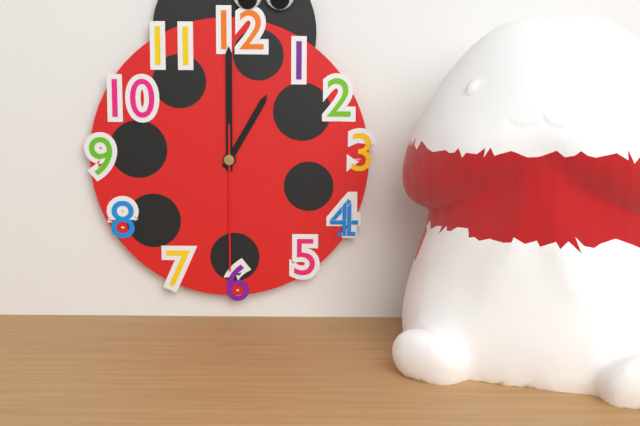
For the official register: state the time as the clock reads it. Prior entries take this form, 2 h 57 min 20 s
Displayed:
1 h 00 min 30 s
